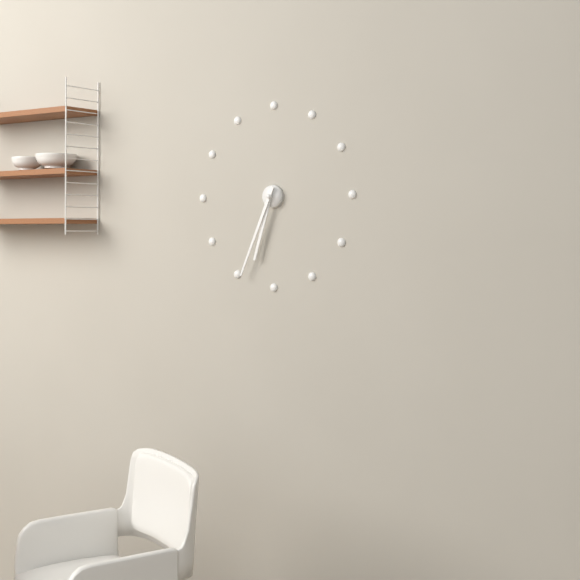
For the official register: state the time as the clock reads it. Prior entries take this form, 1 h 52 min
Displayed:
6 h 34 min
